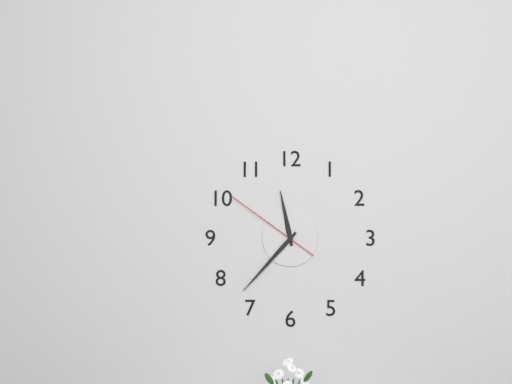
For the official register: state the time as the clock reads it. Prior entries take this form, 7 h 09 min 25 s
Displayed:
11 h 37 min 51 s
